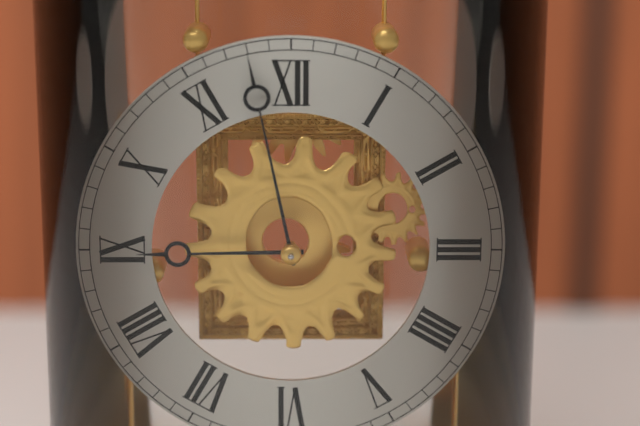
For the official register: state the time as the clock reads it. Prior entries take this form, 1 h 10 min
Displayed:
8 h 58 min
